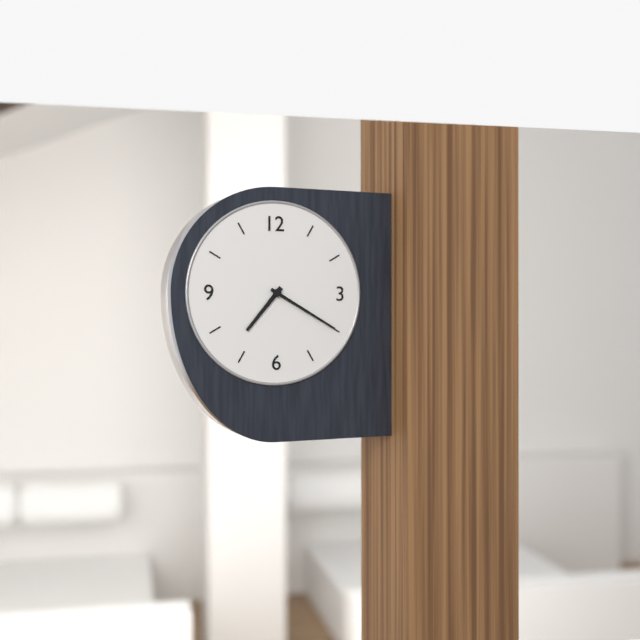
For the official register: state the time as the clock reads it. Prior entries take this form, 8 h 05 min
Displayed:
7 h 20 min
